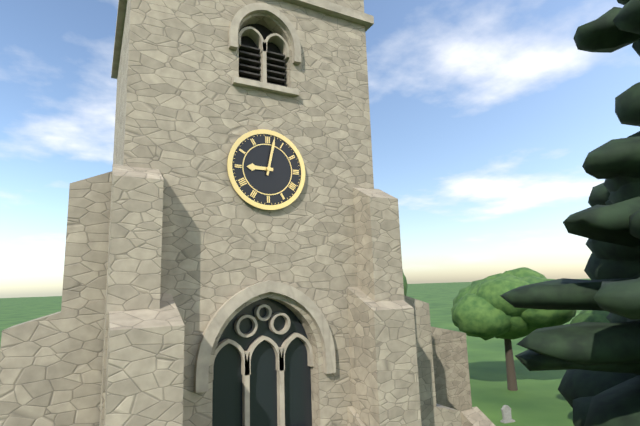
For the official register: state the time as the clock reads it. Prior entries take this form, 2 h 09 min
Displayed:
9 h 02 min
